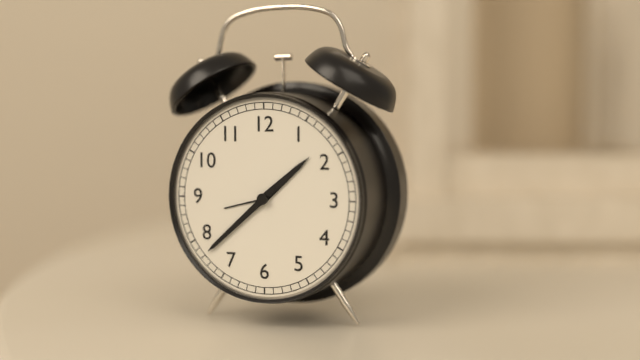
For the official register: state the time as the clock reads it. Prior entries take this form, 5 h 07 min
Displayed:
1 h 38 min
